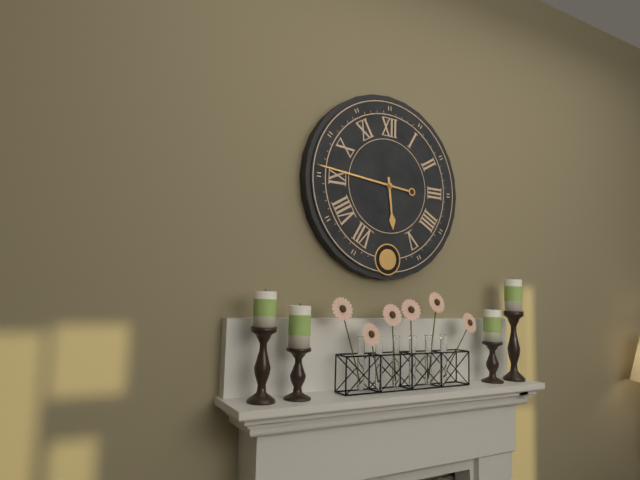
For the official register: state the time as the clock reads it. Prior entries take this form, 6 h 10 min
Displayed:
5 h 46 min
